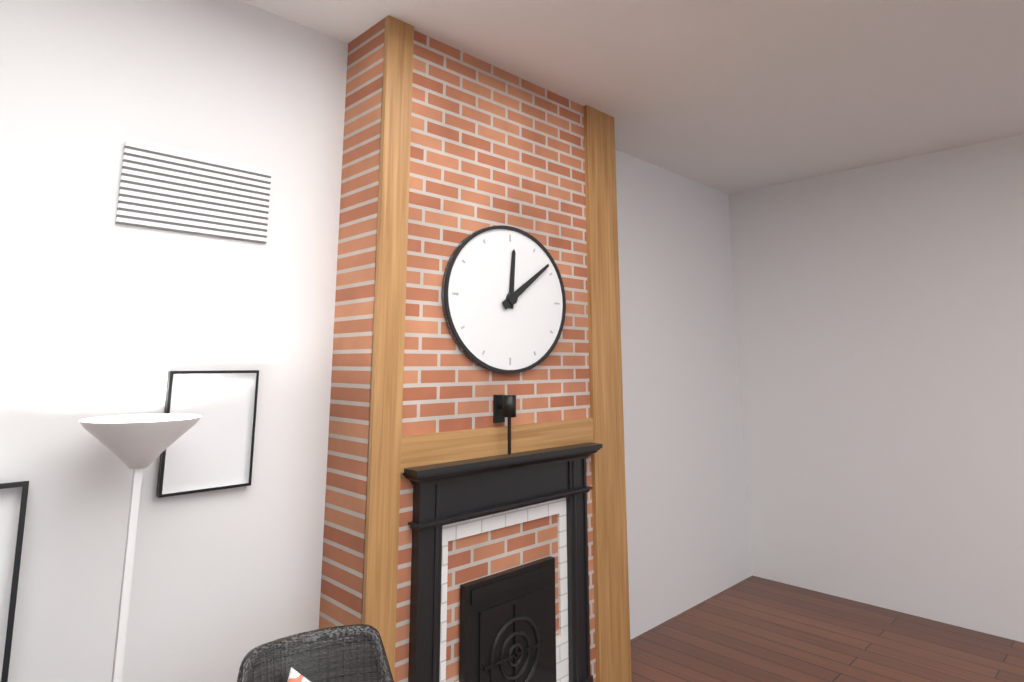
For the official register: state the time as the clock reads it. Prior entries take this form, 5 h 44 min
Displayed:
12 h 09 min
